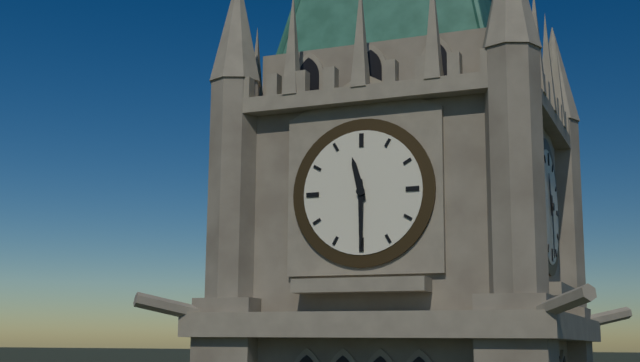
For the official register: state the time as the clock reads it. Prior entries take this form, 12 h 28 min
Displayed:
11 h 30 min
